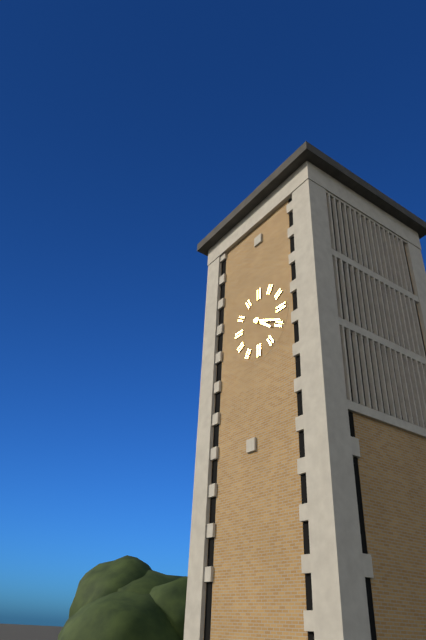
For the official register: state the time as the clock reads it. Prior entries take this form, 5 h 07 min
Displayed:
4 h 19 min
